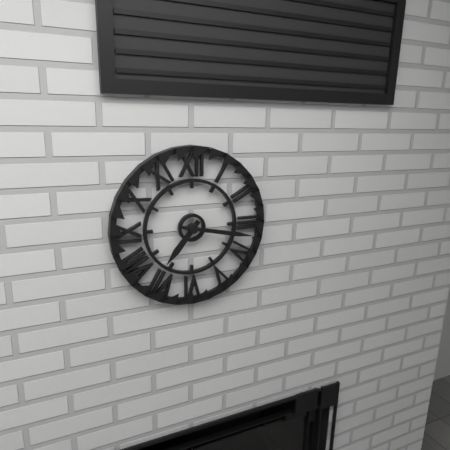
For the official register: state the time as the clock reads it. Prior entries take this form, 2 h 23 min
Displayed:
7 h 17 min
